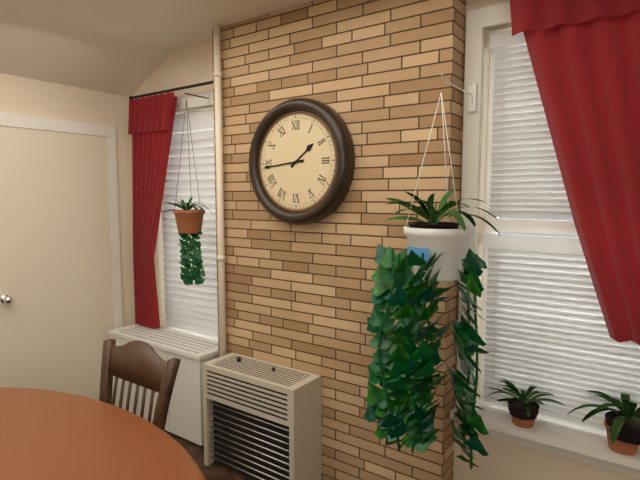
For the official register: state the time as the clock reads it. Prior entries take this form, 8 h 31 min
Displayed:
1 h 44 min
